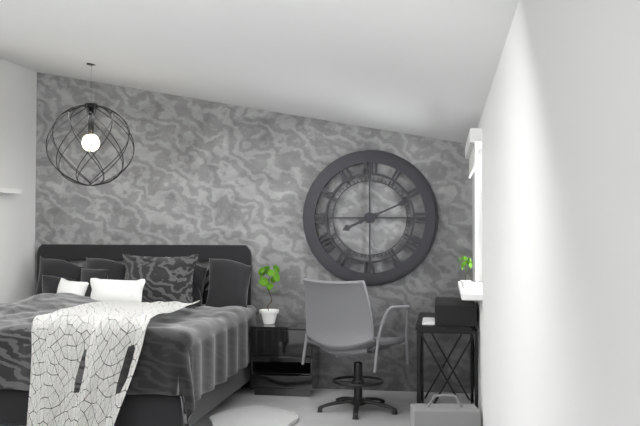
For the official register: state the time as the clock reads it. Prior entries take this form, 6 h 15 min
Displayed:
8 h 11 min
